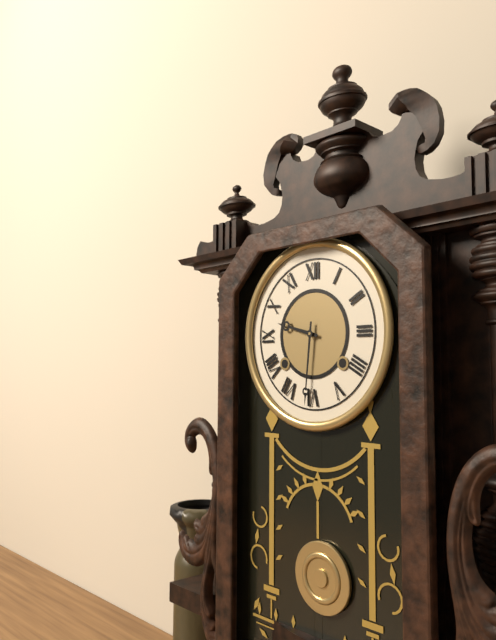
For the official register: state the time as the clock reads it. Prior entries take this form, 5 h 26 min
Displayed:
9 h 31 min
